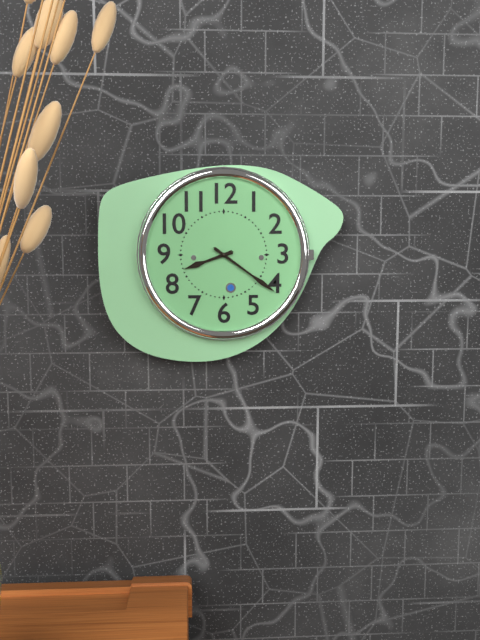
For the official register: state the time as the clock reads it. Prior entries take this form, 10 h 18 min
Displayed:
8 h 21 min
